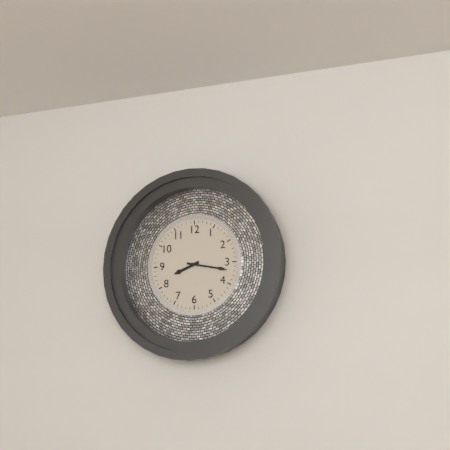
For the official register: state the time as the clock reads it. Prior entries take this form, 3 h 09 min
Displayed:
8 h 17 min
